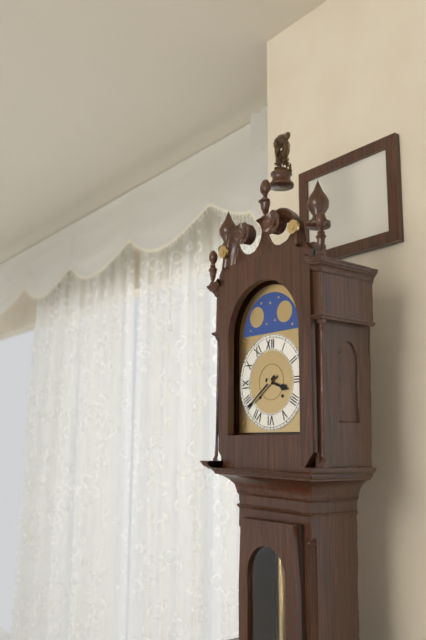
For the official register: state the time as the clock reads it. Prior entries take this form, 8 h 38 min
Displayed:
3 h 39 min
